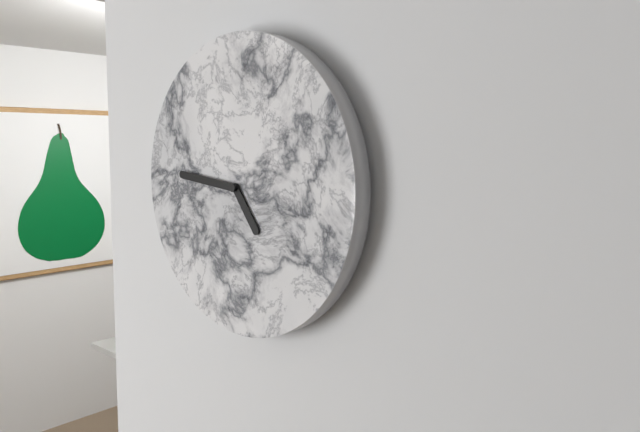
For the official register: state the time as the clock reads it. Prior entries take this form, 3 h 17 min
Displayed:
4 h 46 min
